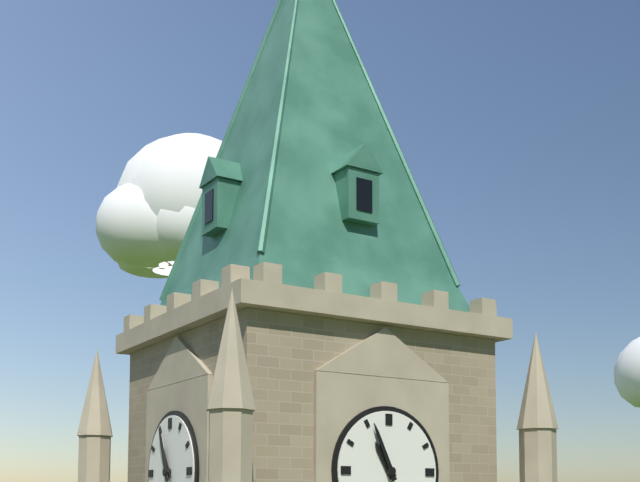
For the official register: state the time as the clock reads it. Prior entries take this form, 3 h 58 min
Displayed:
10 h 56 min
